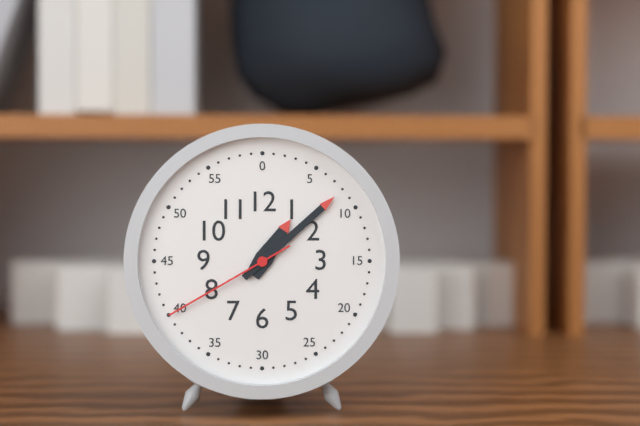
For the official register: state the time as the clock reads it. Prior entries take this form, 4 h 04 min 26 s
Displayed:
1 h 08 min 40 s
